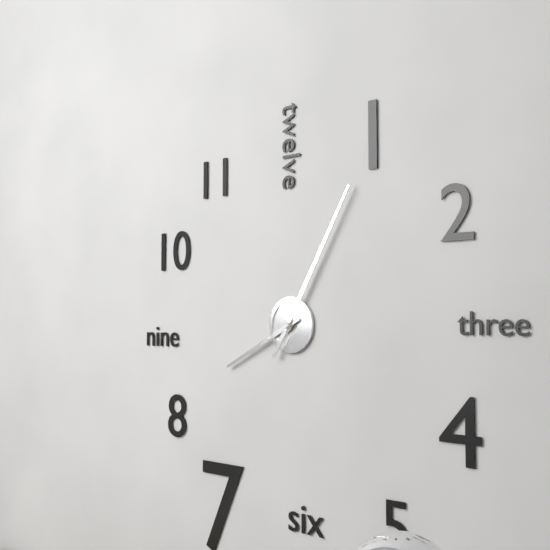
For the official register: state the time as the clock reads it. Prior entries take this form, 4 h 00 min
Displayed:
8 h 05 min
